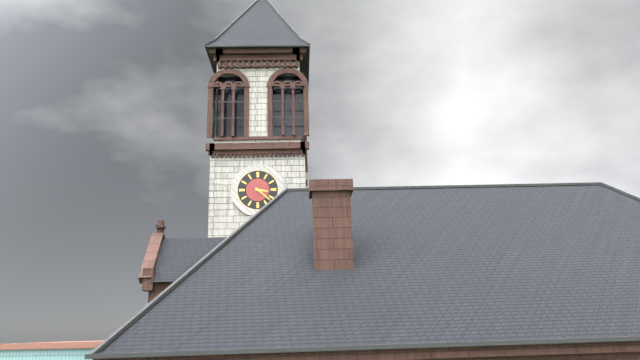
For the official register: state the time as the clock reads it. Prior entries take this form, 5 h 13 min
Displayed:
3 h 22 min
